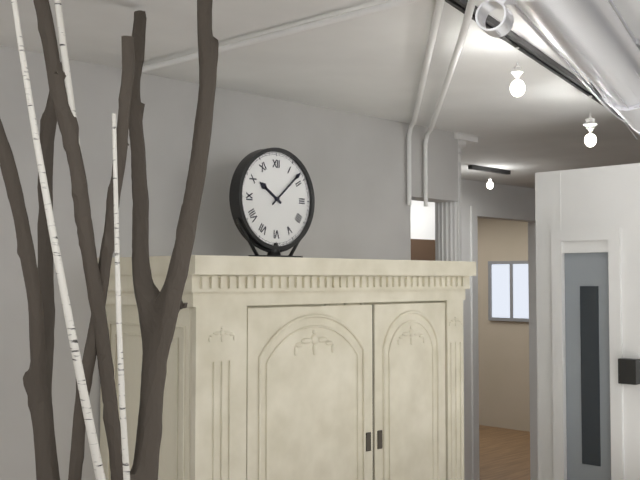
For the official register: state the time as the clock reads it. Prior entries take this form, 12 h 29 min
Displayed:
10 h 08 min
